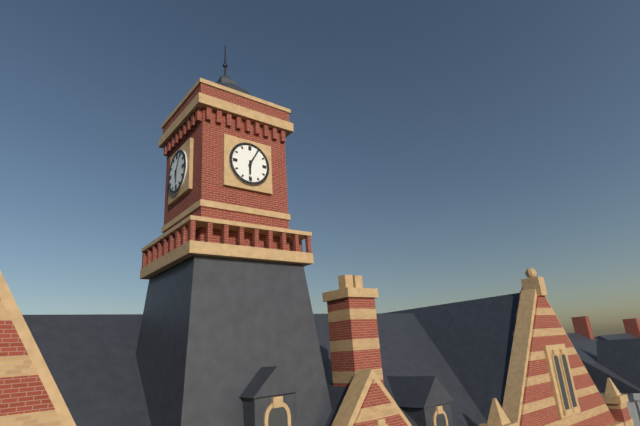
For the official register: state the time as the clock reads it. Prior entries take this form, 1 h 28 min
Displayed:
6 h 05 min
